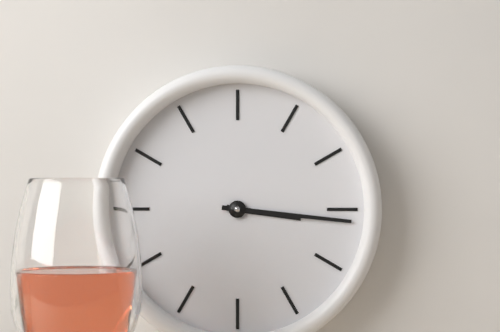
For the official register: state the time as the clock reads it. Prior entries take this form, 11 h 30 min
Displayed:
3 h 16 min
